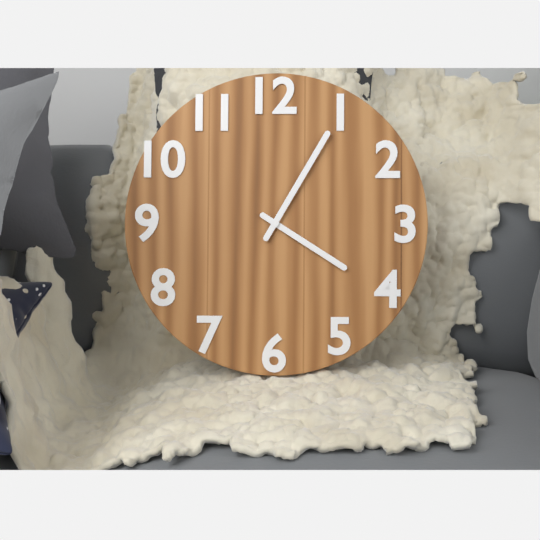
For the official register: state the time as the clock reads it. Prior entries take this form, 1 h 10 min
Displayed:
4 h 05 min
